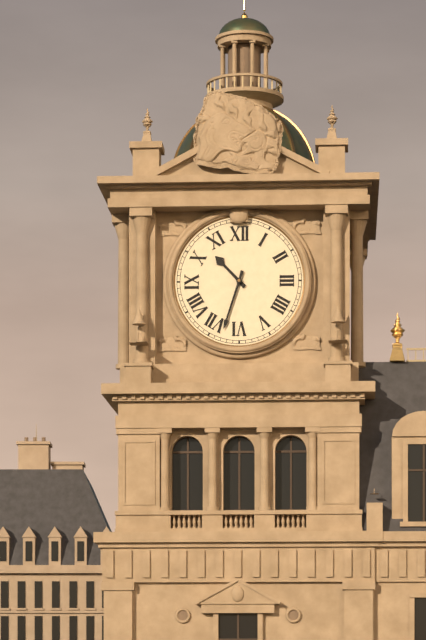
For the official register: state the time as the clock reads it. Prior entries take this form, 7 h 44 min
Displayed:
10 h 33 min
